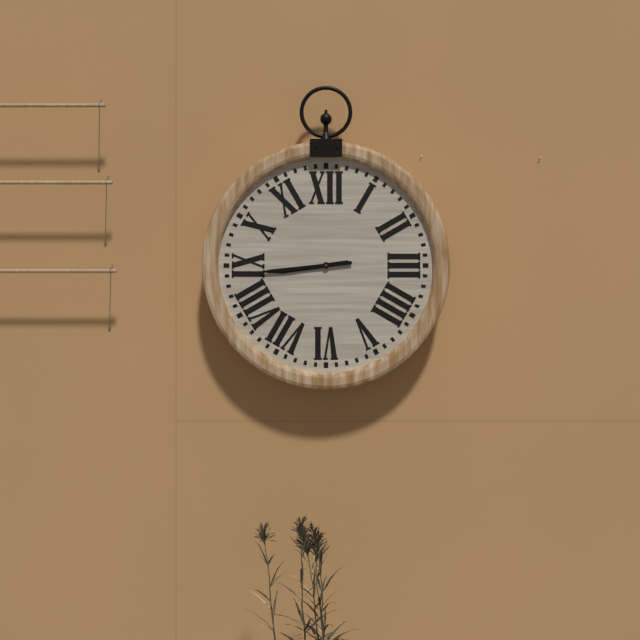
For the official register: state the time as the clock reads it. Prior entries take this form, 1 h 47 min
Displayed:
8 h 44 min
